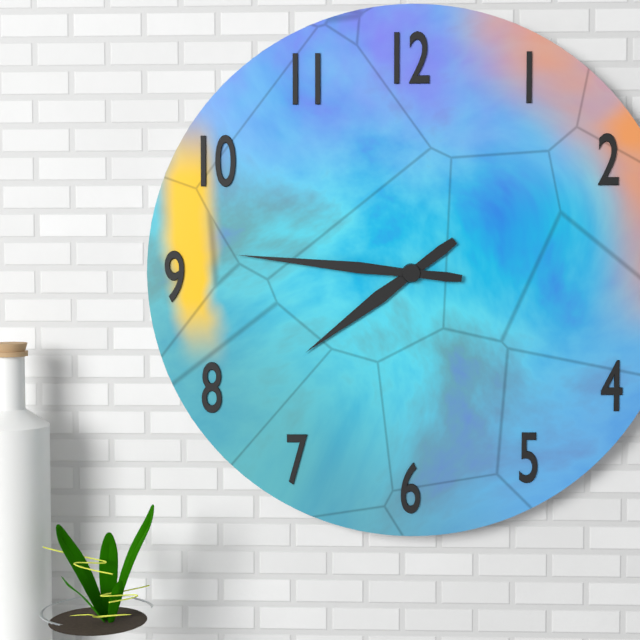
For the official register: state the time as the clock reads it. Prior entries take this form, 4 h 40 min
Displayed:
7 h 46 min
